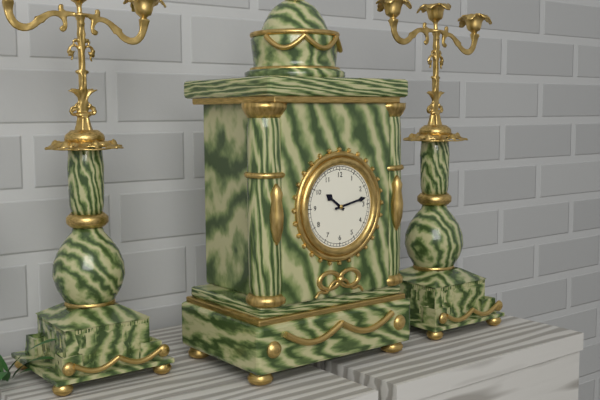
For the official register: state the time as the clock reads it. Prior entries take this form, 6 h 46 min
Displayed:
10 h 13 min
